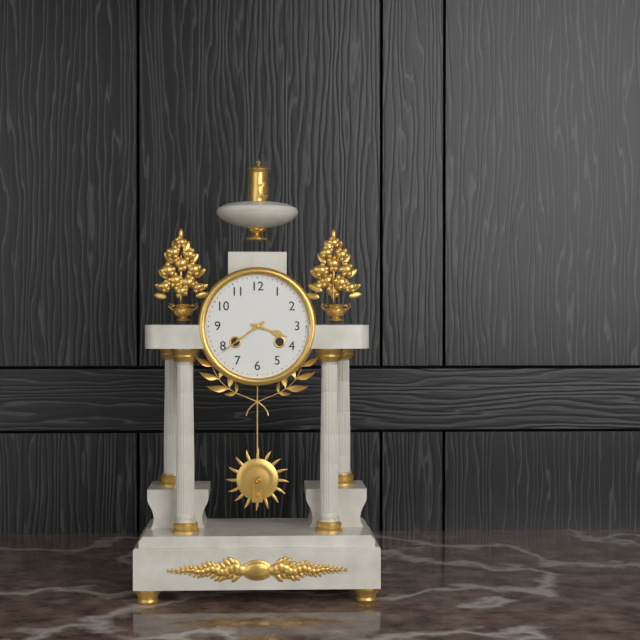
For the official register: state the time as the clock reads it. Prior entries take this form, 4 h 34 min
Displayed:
3 h 39 min
